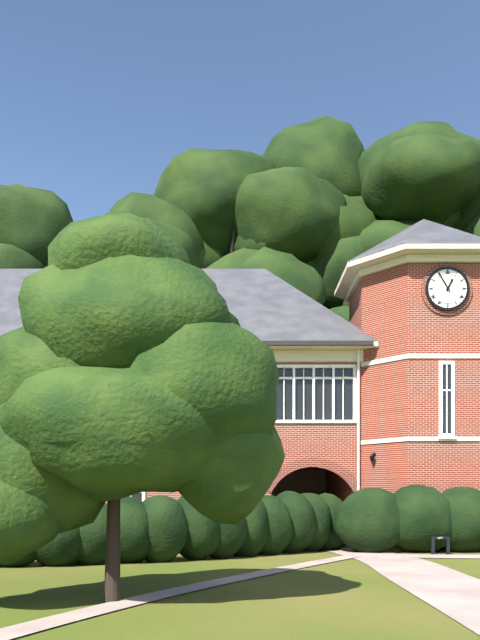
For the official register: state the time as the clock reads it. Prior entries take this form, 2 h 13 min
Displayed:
12 h 55 min
